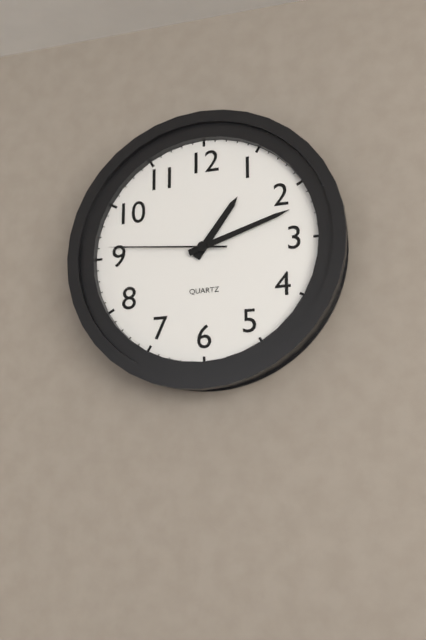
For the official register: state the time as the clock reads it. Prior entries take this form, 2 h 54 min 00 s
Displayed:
1 h 12 min 46 s
